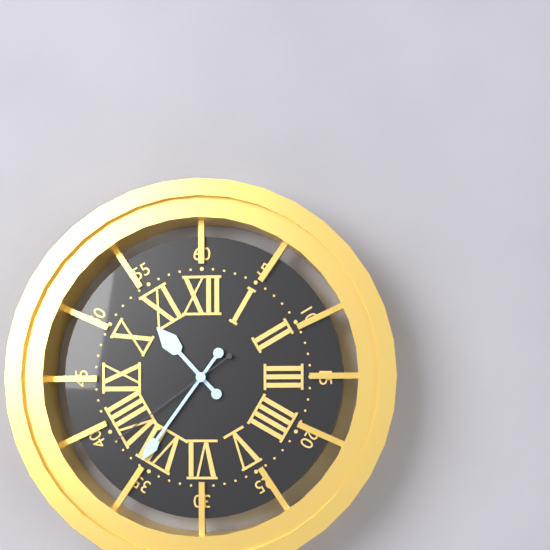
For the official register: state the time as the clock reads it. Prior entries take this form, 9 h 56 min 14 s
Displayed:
10 h 36 min 39 s
